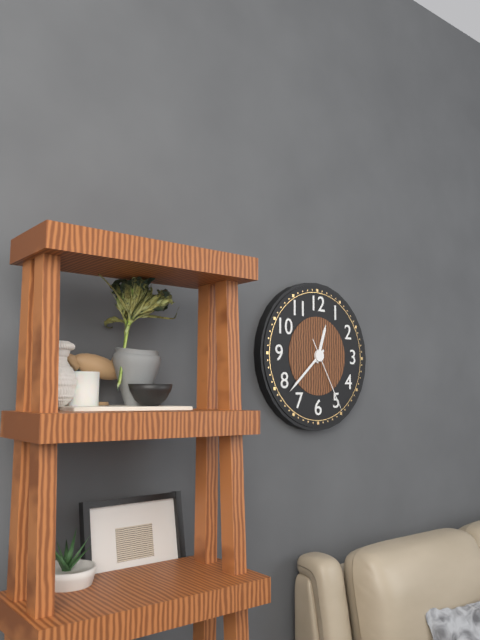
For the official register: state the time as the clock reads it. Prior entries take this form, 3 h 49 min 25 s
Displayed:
12 h 38 min 25 s
